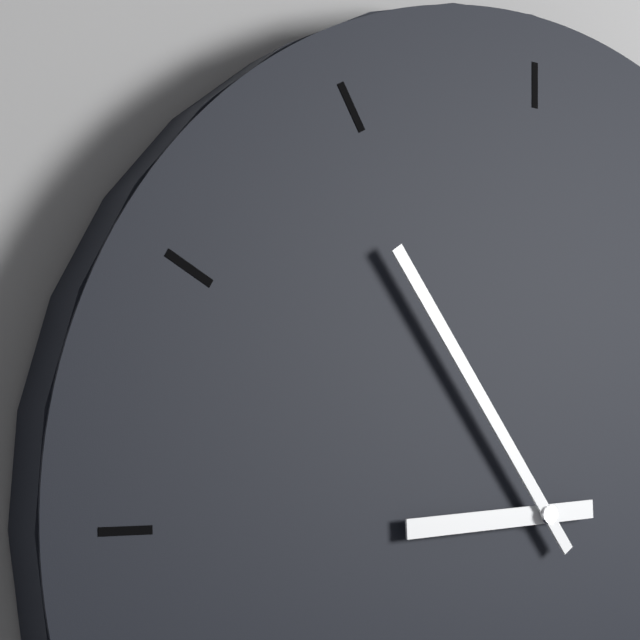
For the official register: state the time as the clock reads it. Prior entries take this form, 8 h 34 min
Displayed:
8 h 54 min
